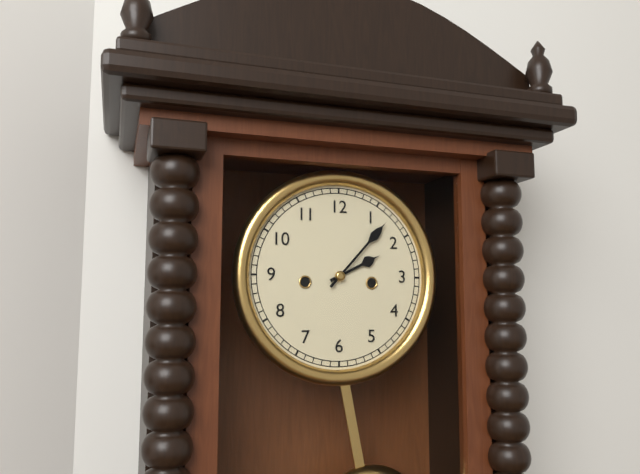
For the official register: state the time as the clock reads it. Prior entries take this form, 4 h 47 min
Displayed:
2 h 07 min
